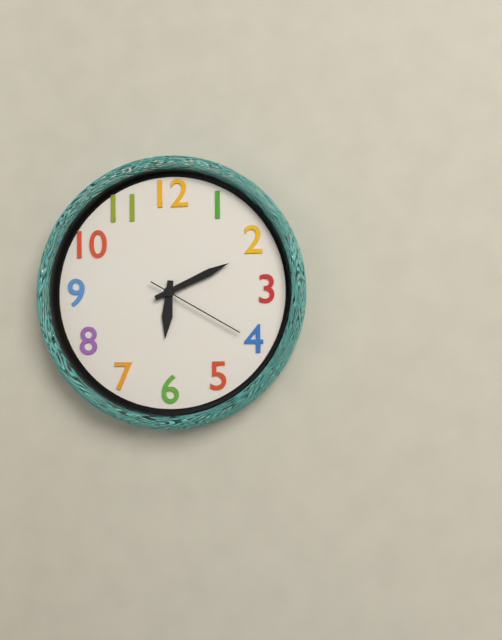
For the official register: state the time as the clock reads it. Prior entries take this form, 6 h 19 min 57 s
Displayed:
6 h 11 min 20 s
